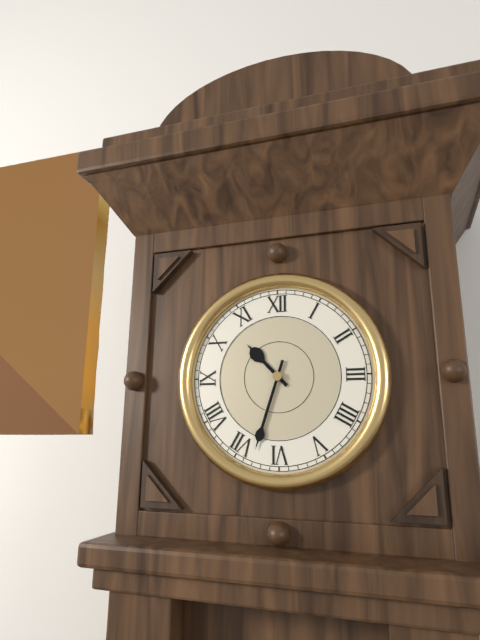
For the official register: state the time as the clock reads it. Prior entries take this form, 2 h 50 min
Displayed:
10 h 33 min
